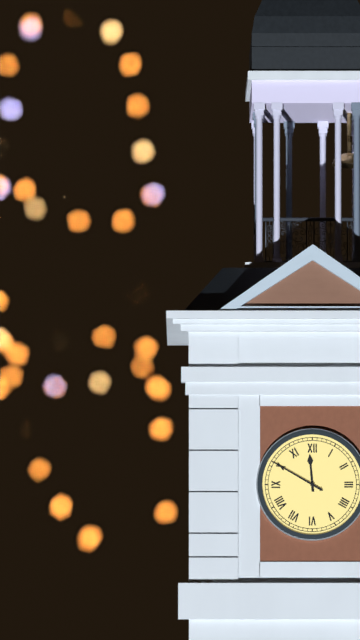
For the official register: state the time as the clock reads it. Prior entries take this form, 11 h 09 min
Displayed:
11 h 50 min
